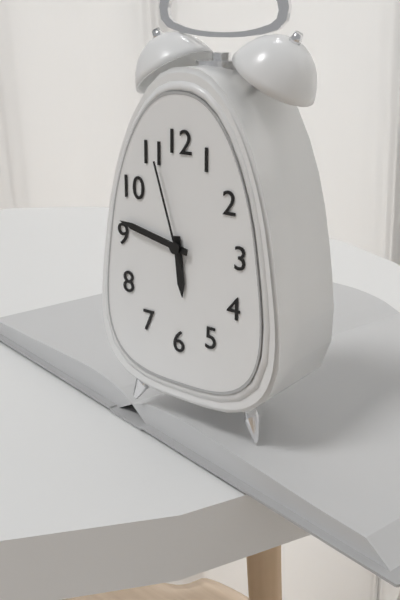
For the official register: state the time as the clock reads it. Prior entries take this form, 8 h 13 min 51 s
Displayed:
5 h 47 min 57 s
